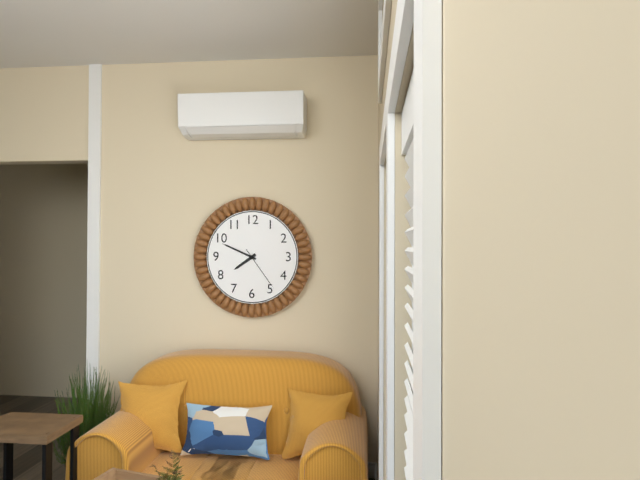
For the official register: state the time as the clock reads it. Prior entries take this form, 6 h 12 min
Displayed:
7 h 49 min
